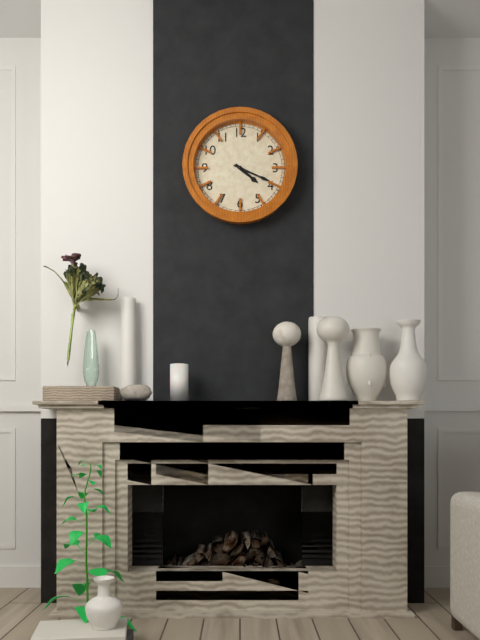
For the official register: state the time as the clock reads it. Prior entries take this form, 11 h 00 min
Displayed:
4 h 19 min
